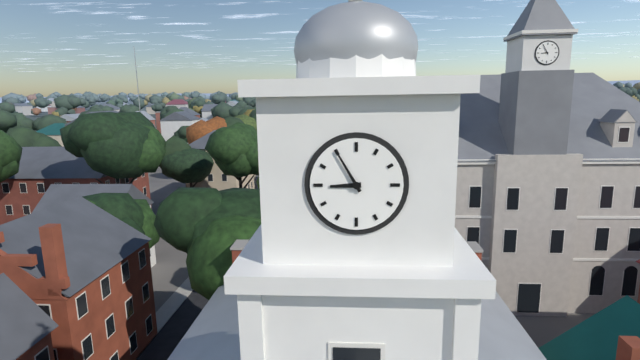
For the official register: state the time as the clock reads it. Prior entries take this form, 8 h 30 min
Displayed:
8 h 55 min
